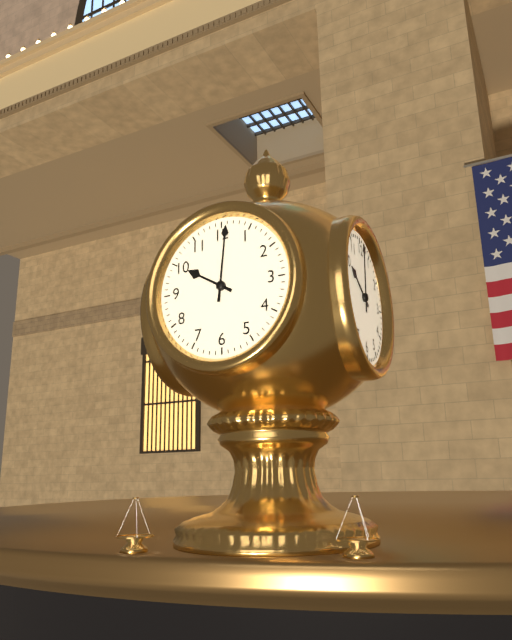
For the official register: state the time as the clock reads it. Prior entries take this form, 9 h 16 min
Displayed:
10 h 01 min
